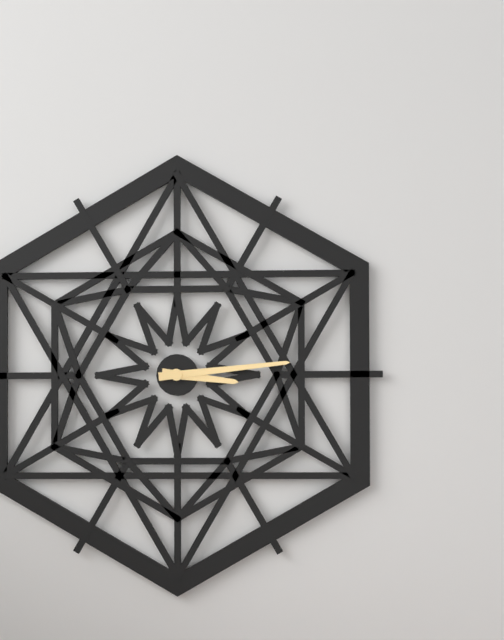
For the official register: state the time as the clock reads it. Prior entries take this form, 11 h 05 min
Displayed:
3 h 14 min
